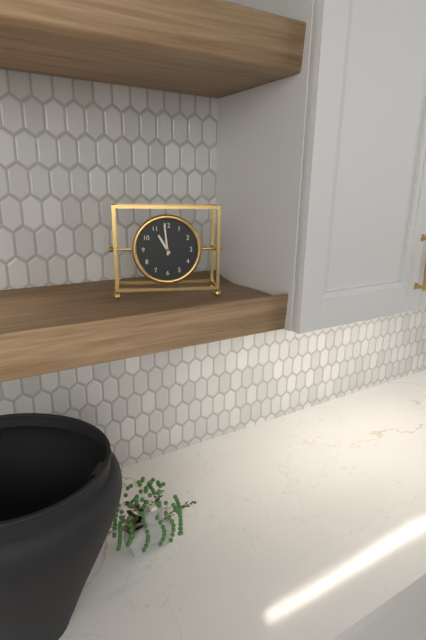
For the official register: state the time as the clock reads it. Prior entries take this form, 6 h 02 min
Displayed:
10 h 59 min
